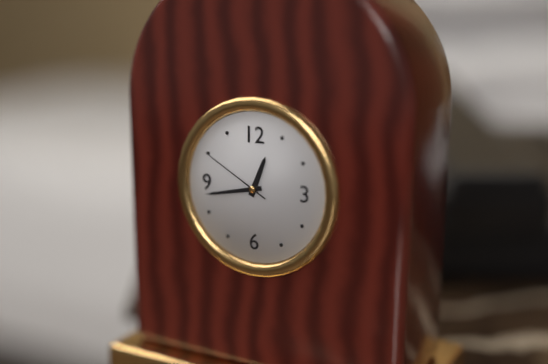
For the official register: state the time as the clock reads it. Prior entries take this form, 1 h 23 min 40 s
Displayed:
12 h 43 min 50 s
